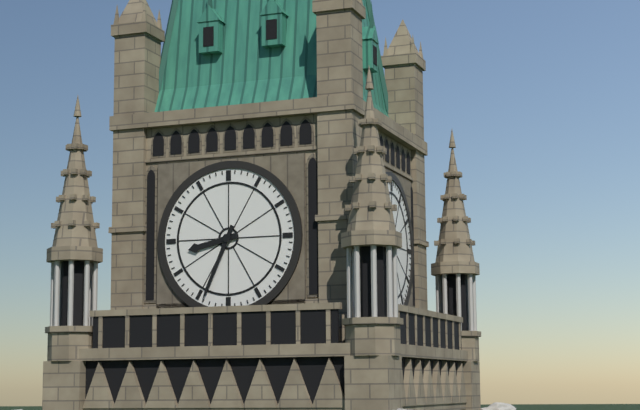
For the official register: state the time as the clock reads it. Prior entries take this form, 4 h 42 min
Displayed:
8 h 34 min
